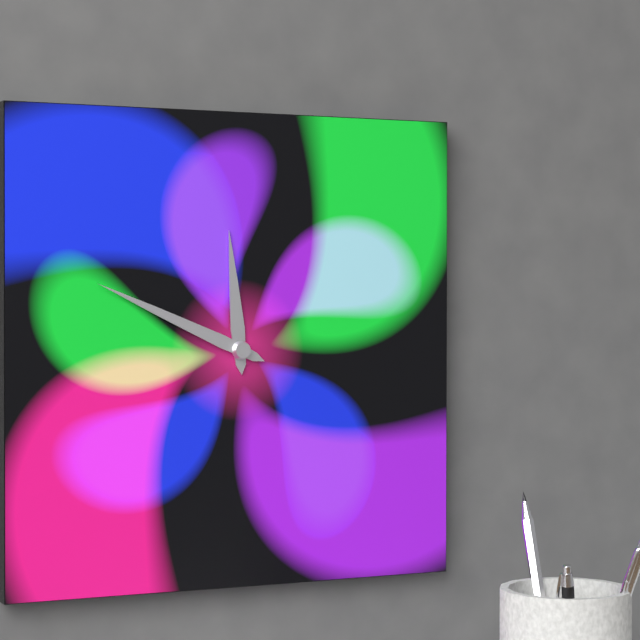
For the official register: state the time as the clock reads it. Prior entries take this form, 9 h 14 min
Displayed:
11 h 49 min
